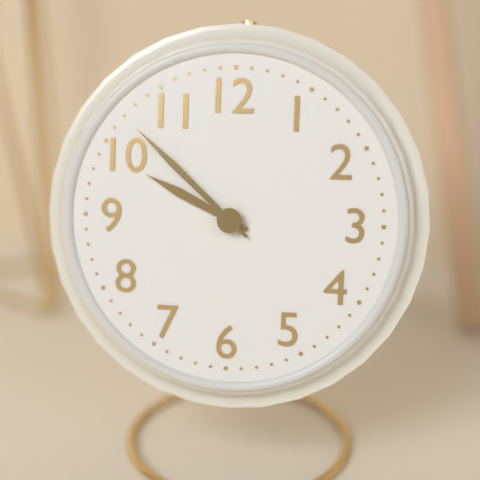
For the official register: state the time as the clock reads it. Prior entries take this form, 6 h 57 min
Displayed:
9 h 52 min
